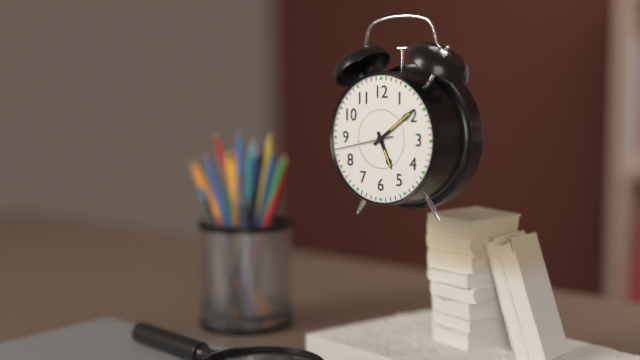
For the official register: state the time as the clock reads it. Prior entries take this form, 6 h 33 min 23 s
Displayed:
5 h 09 min 43 s
